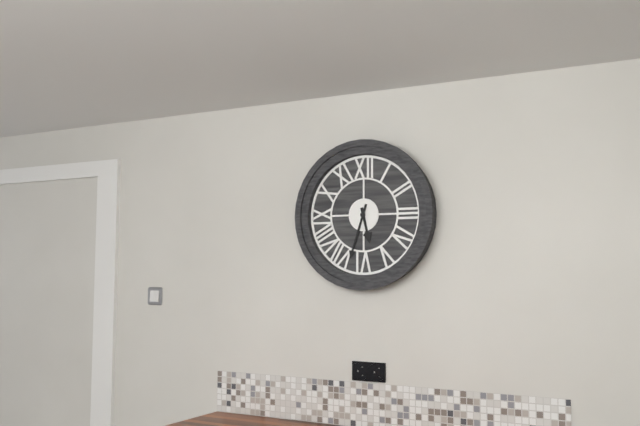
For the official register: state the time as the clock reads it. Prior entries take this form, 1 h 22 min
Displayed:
5 h 33 min
